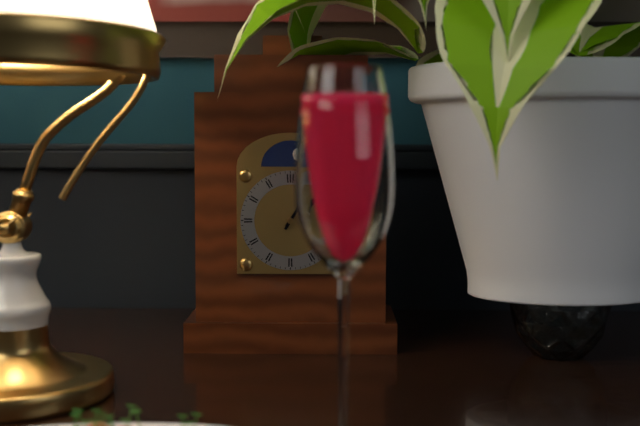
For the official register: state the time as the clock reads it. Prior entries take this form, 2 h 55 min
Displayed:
1 h 05 min
